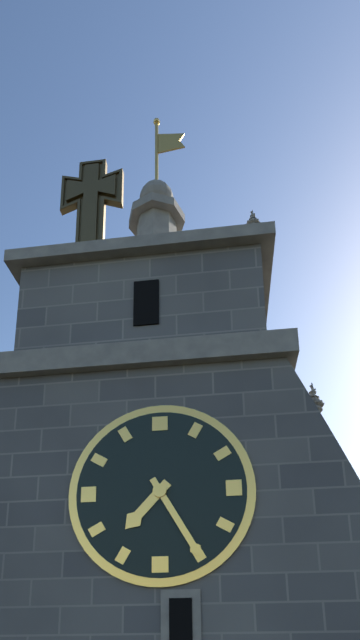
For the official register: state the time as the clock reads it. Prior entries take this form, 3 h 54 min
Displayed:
7 h 25 min
